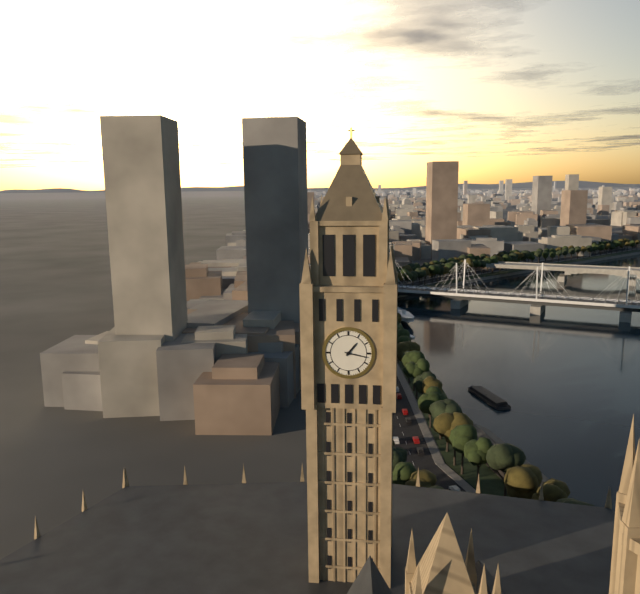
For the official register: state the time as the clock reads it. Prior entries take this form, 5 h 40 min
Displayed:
1 h 17 min
